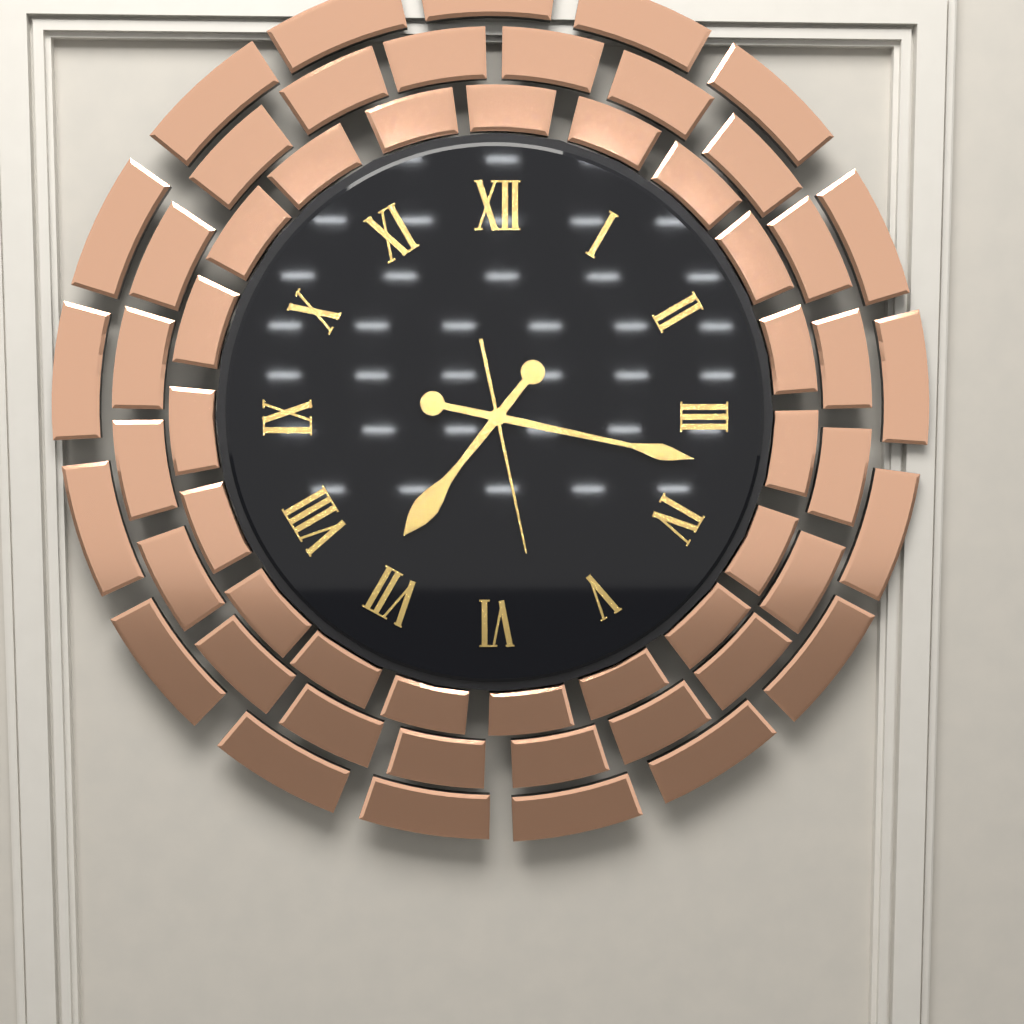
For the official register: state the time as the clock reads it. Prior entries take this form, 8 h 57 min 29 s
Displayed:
7 h 17 min 28 s
